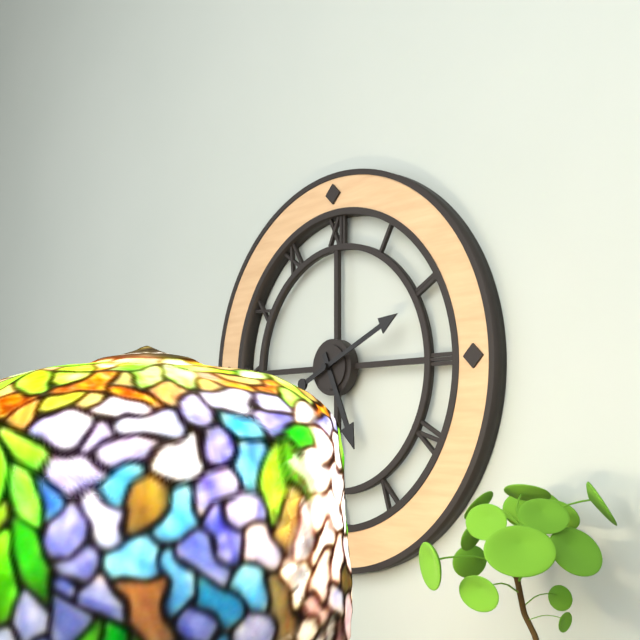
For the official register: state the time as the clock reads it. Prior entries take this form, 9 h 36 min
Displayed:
5 h 11 min
